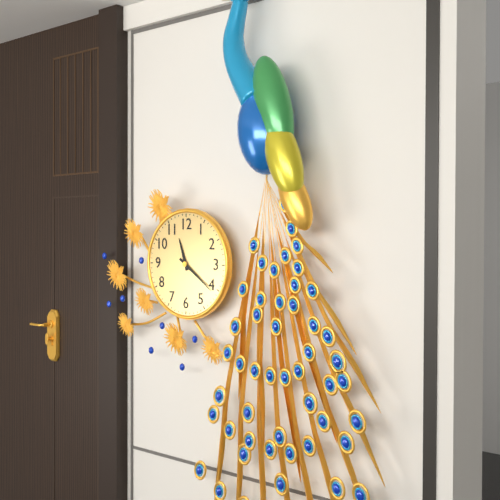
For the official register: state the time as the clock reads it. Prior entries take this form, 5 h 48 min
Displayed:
11 h 21 min
